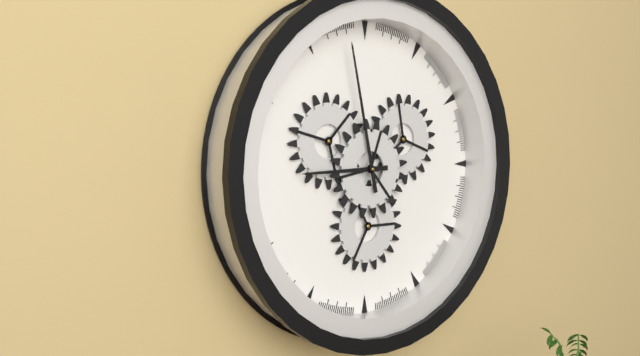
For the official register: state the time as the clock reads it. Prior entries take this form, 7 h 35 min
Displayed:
8 h 58 min
